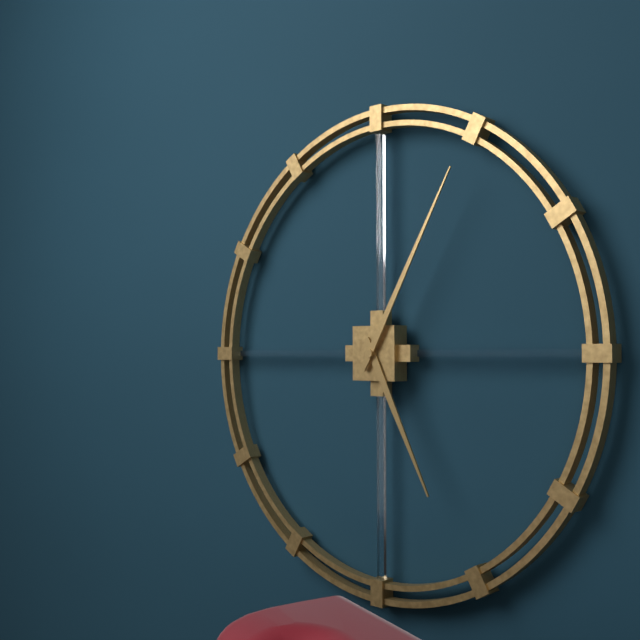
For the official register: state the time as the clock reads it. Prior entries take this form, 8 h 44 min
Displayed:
5 h 05 min
